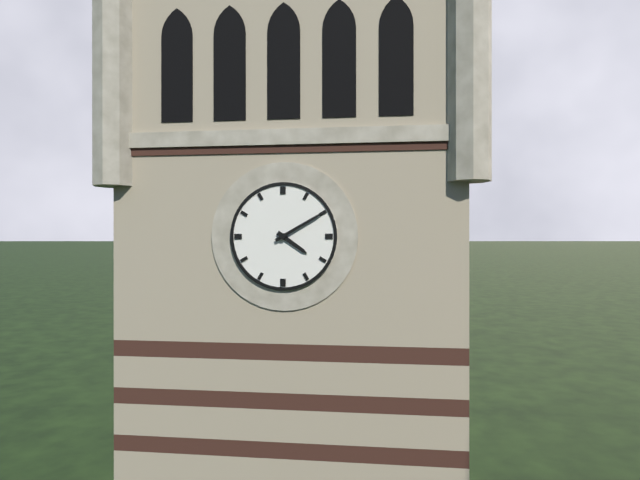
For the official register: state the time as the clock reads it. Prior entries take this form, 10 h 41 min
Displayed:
4 h 10 min
